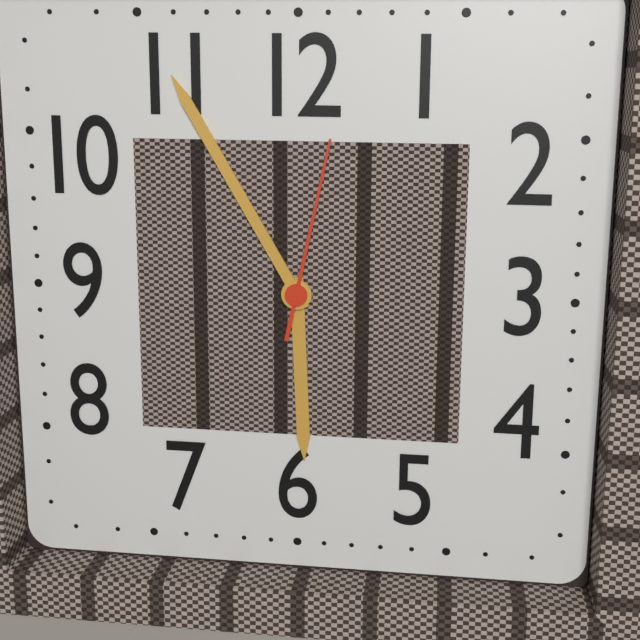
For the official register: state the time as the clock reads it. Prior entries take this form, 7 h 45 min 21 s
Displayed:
5 h 55 min 02 s
